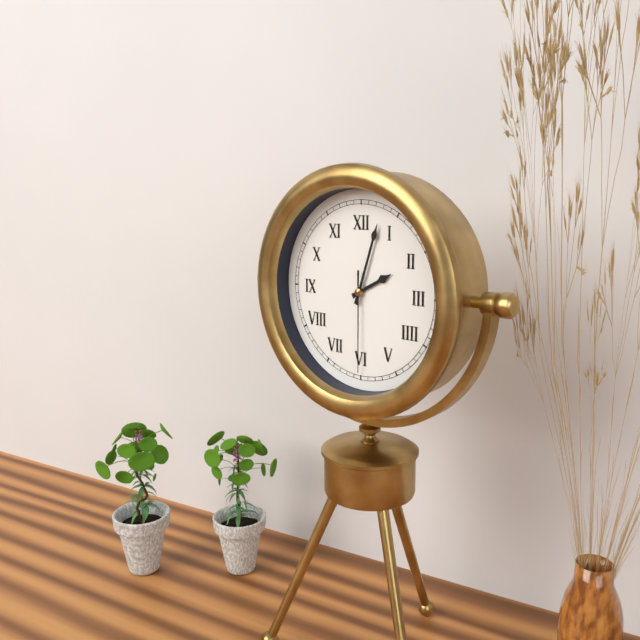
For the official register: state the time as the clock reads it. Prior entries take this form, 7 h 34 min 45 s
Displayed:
2 h 03 min 30 s
